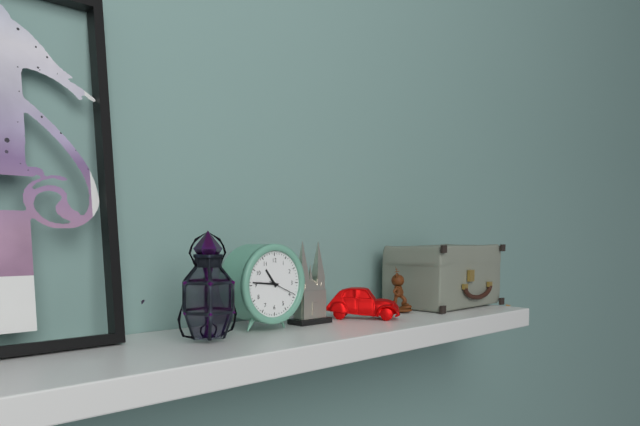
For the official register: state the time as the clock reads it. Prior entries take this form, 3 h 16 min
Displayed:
10 h 46 min
